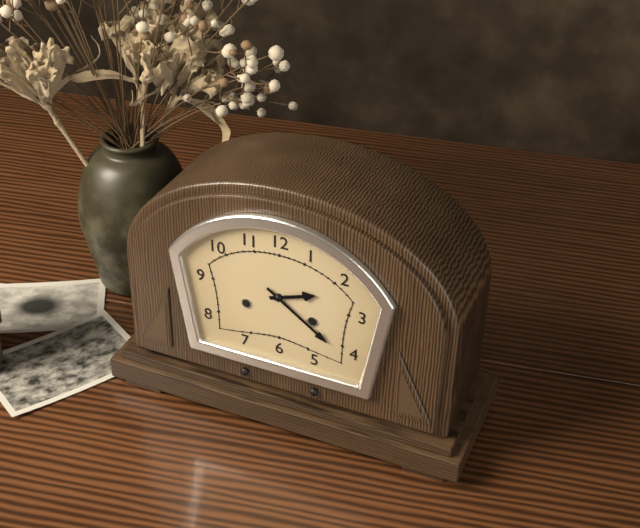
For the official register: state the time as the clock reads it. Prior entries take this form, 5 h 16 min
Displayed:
2 h 21 min
